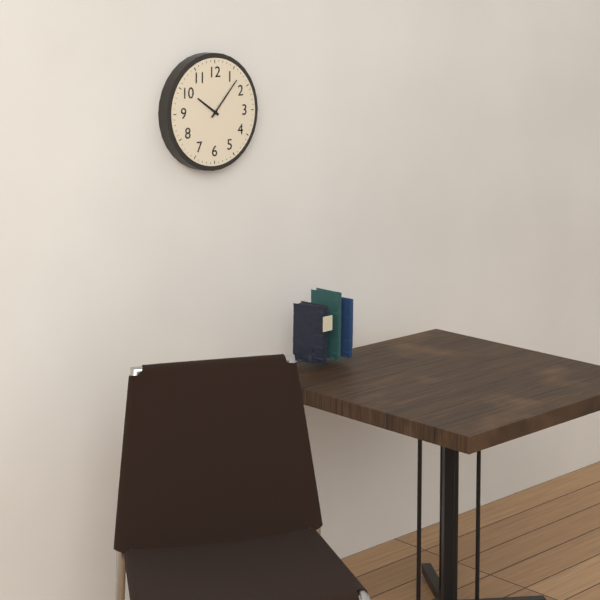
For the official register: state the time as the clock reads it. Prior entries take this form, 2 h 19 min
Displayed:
10 h 07 min
